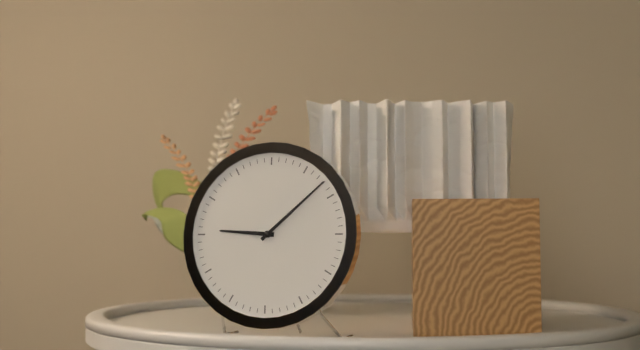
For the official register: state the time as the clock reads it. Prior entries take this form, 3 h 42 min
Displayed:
9 h 08 min
